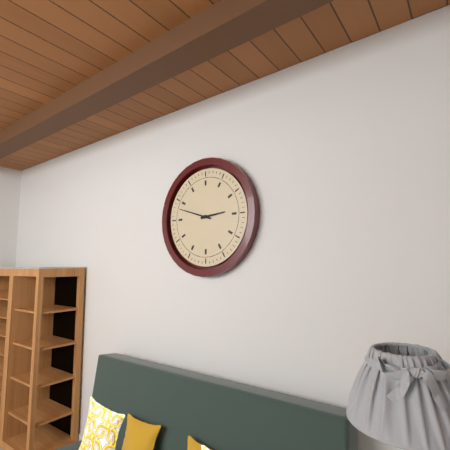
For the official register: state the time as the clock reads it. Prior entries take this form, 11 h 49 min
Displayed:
2 h 48 min
